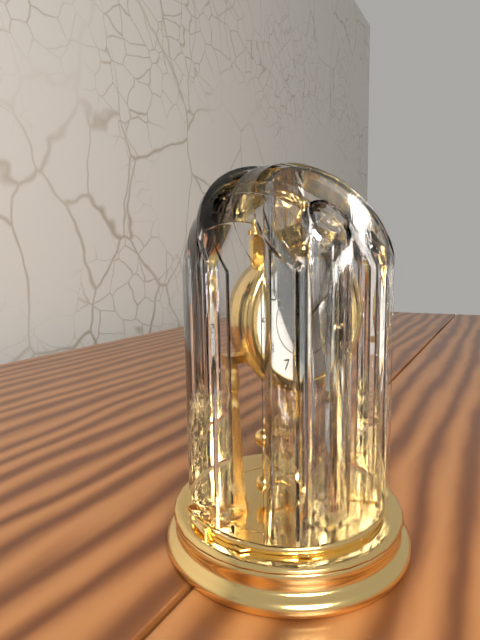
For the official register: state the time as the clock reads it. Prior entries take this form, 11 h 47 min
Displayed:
12 h 08 min
